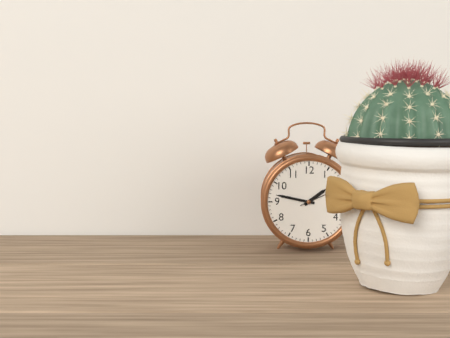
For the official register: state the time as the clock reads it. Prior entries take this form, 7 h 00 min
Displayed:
1 h 47 min
